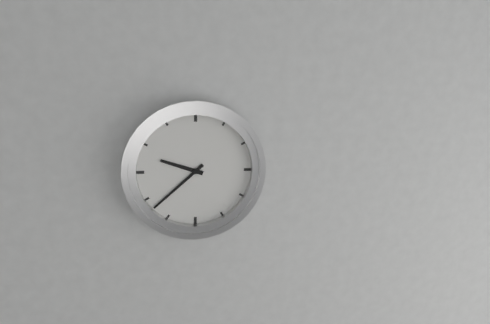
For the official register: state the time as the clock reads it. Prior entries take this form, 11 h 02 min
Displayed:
9 h 38 min
